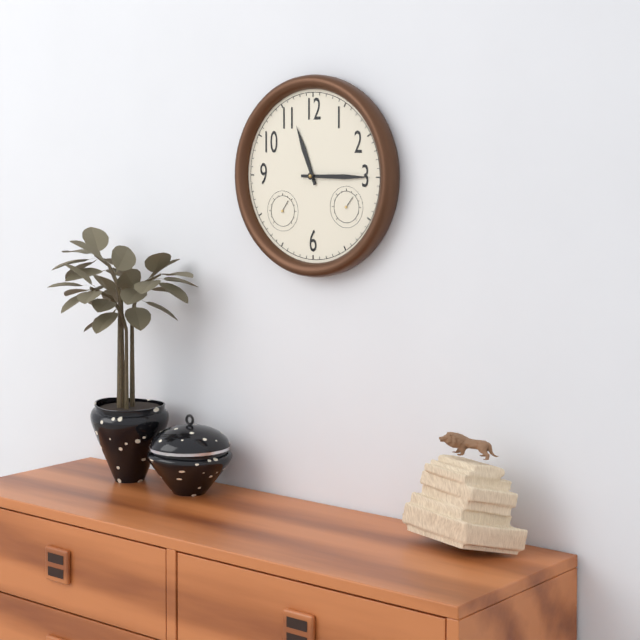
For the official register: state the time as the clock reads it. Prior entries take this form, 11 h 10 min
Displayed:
11 h 15 min
